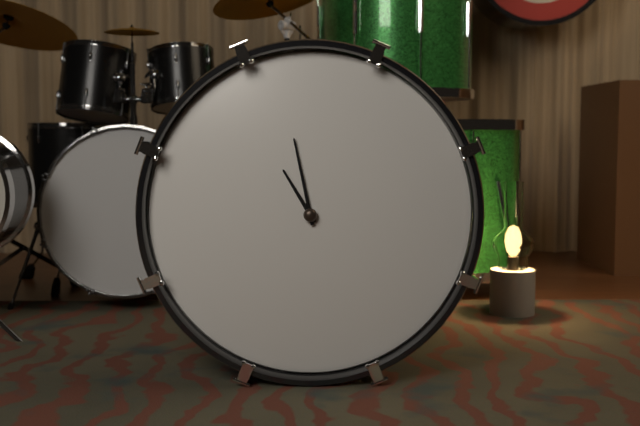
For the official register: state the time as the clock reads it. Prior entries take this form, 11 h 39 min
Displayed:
10 h 58 min
